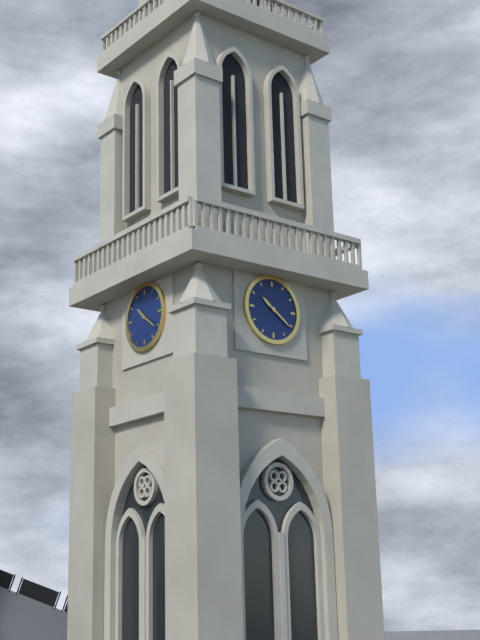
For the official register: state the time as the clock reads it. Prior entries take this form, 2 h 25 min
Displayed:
10 h 21 min
